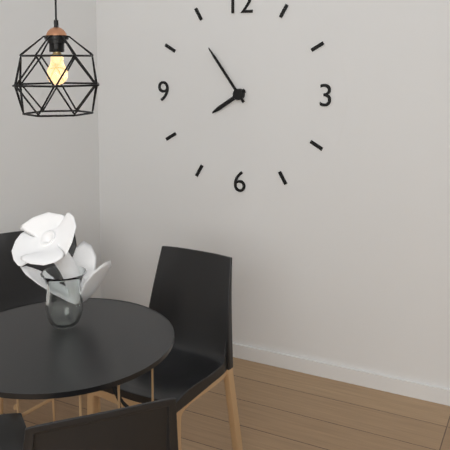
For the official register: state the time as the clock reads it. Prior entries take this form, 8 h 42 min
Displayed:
7 h 54 min
